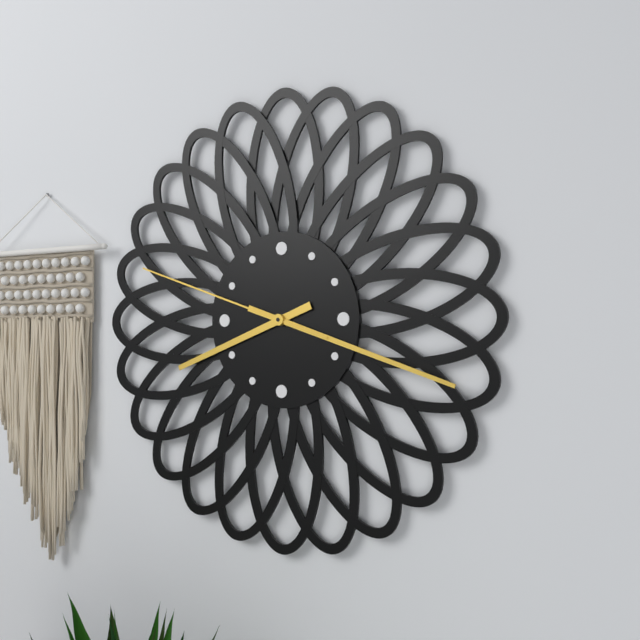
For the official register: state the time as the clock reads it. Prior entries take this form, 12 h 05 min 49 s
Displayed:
8 h 18 min 48 s
